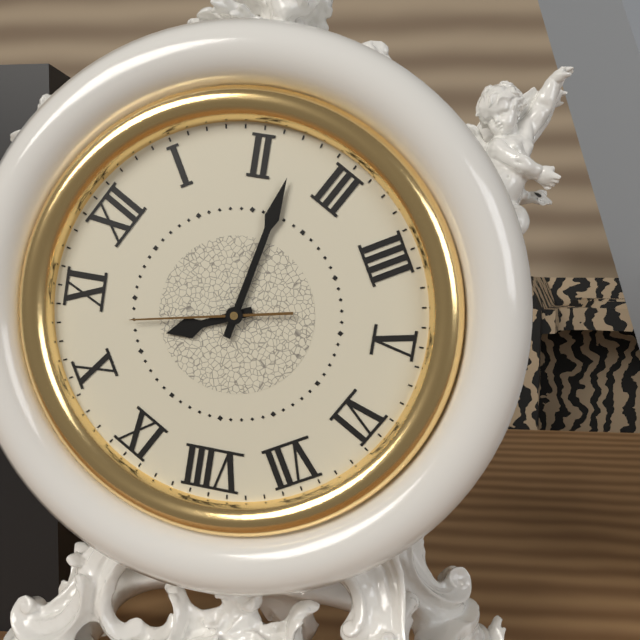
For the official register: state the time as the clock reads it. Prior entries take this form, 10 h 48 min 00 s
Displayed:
10 h 12 min 53 s
